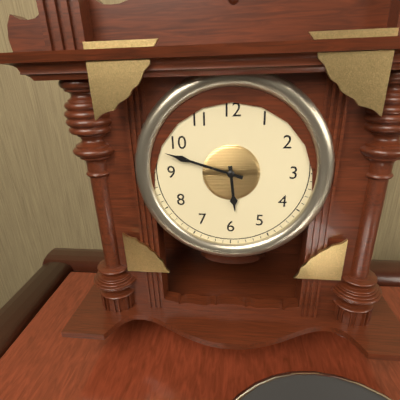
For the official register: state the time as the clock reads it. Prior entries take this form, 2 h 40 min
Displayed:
5 h 48 min
